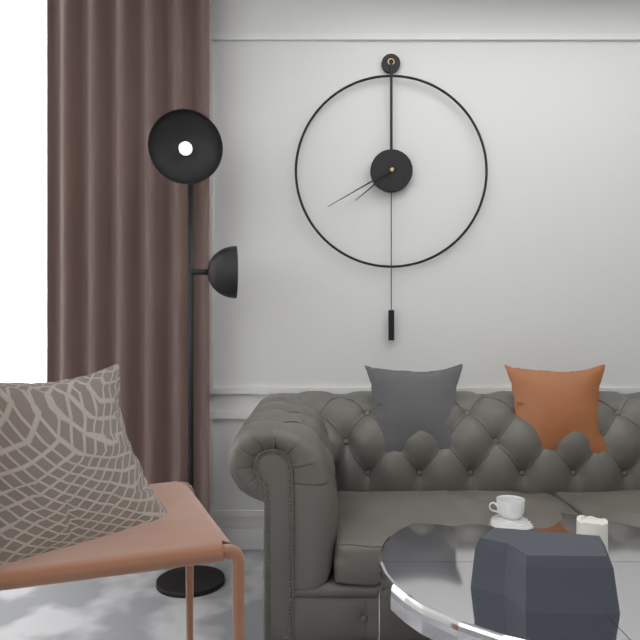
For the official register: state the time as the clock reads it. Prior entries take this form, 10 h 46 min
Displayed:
7 h 40 min
